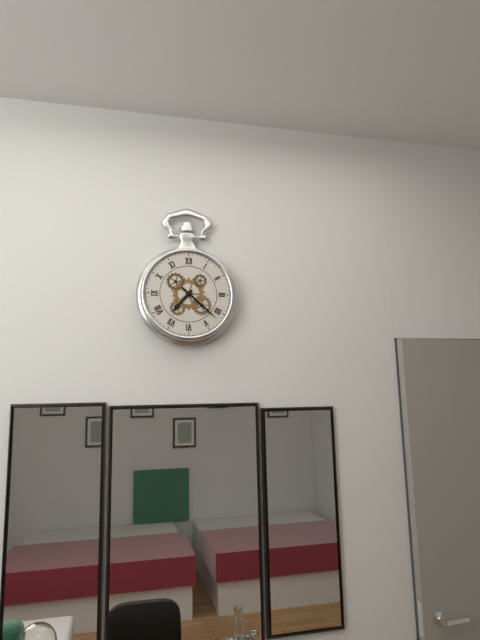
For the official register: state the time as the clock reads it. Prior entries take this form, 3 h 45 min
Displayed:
7 h 22 min
